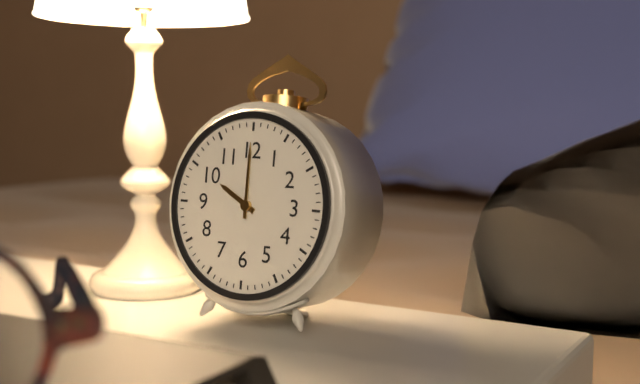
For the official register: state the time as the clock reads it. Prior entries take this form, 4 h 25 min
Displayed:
10 h 00 min
